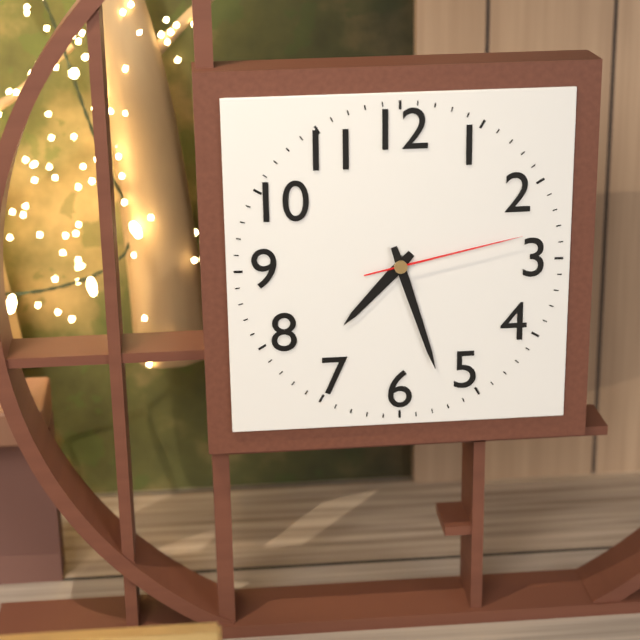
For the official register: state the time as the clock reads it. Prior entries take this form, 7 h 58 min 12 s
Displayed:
7 h 27 min 13 s
